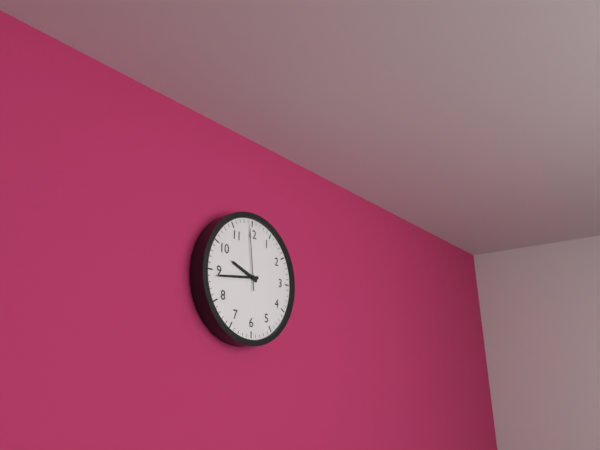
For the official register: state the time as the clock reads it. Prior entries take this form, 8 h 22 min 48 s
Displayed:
9 h 44 min 59 s
